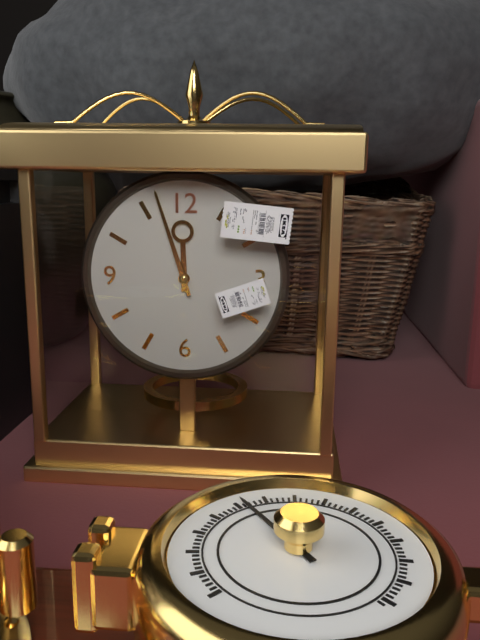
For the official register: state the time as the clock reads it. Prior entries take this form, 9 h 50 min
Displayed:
11 h 57 min
